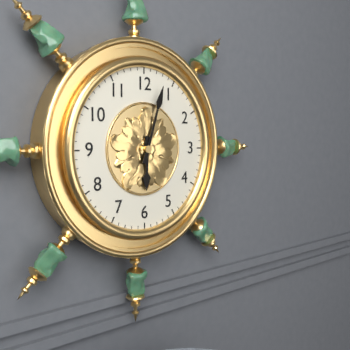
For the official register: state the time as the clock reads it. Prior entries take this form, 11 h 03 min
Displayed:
6 h 03 min
